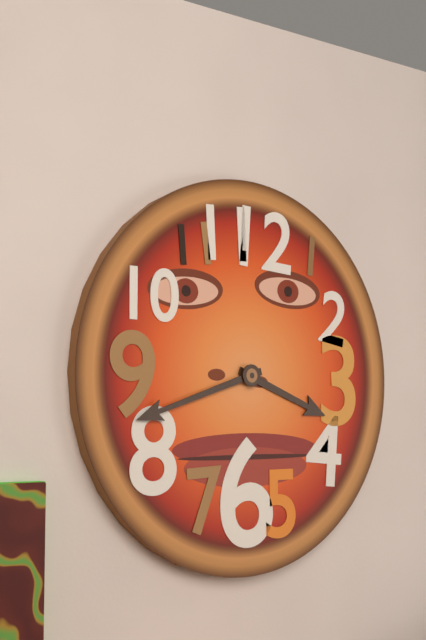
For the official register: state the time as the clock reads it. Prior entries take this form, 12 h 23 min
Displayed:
3 h 42 min
